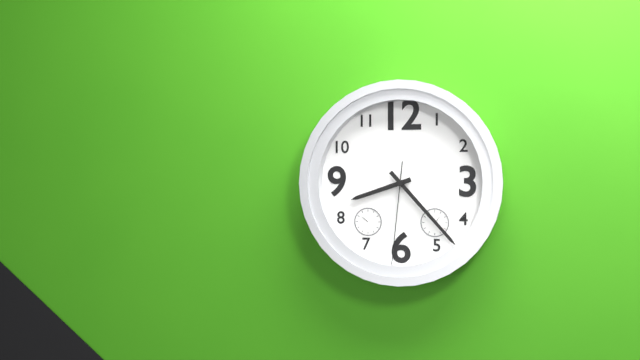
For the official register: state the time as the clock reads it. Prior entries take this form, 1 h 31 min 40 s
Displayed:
8 h 23 min 31 s
